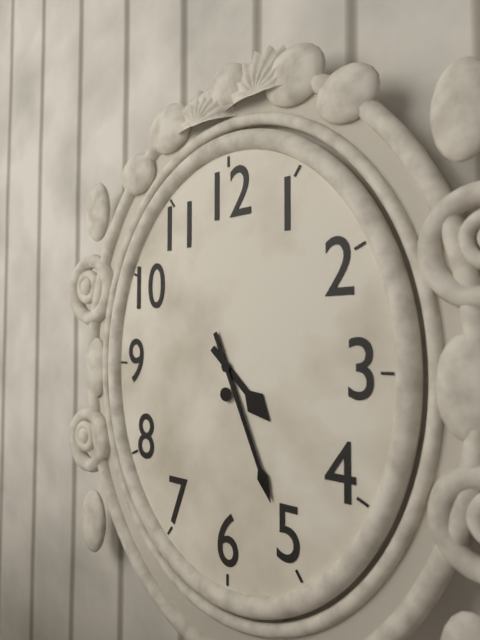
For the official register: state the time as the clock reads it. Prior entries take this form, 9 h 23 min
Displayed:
4 h 26 min
